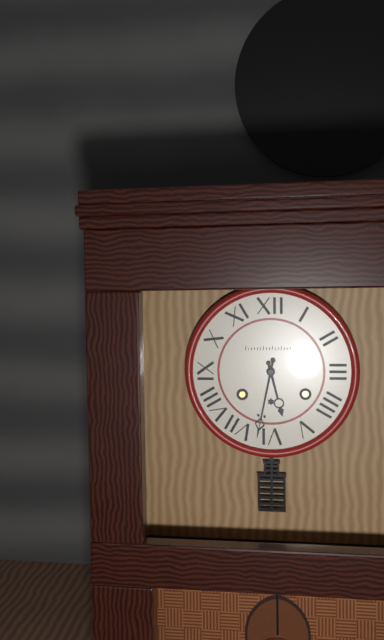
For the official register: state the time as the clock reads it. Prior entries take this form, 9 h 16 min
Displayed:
5 h 32 min
